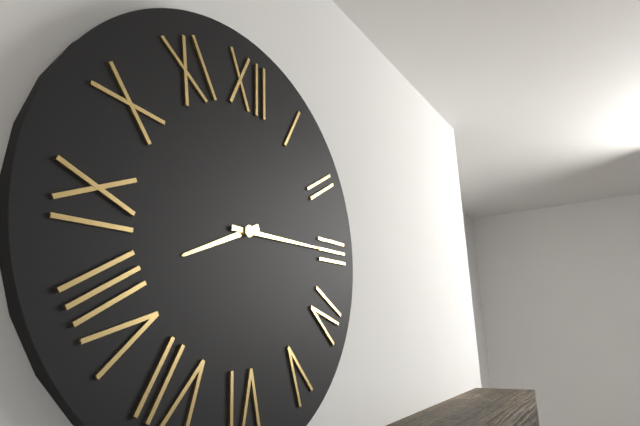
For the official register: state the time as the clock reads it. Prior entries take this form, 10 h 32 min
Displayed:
8 h 15 min
